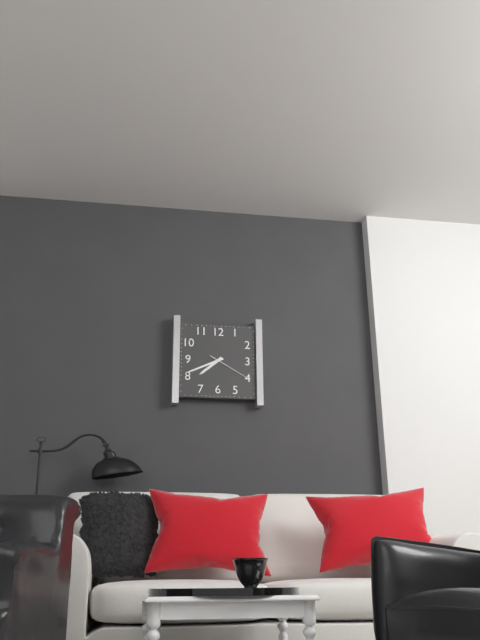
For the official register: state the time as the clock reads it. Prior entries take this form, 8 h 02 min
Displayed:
7 h 41 min
